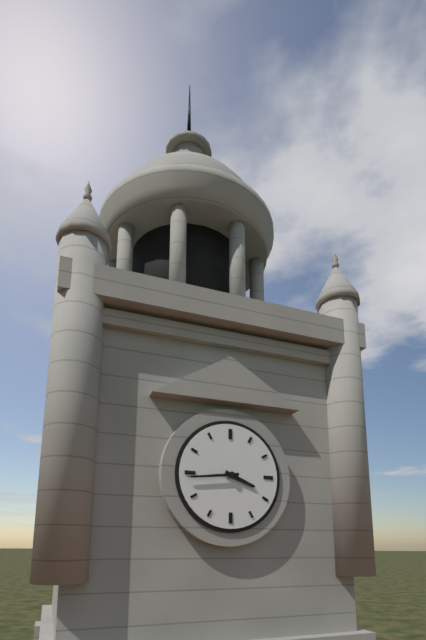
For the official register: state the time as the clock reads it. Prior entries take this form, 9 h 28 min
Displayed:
3 h 44 min
